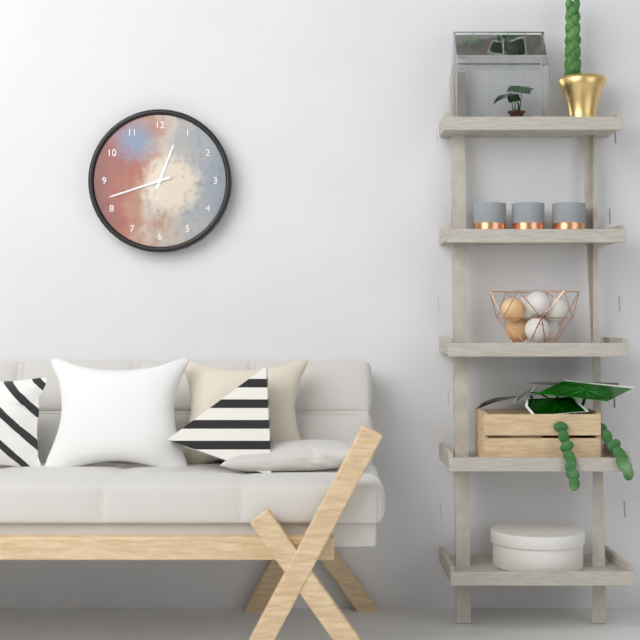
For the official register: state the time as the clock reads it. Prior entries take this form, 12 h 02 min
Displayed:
12 h 42 min
